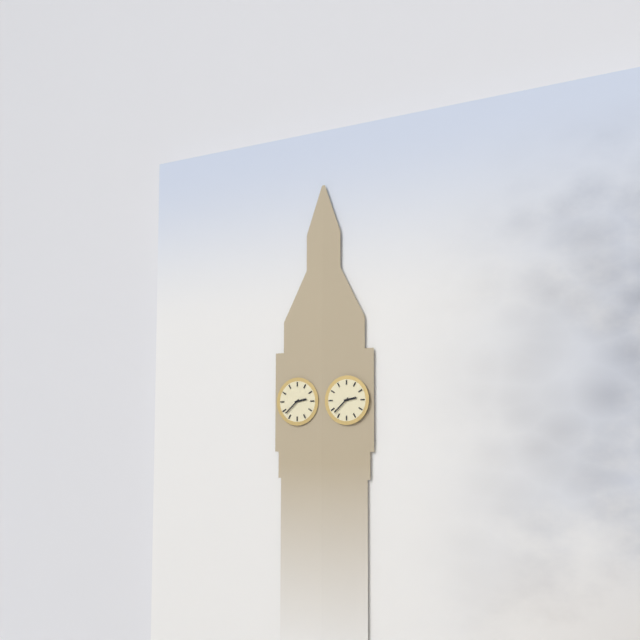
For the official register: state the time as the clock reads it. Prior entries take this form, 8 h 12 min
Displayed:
2 h 38 min
